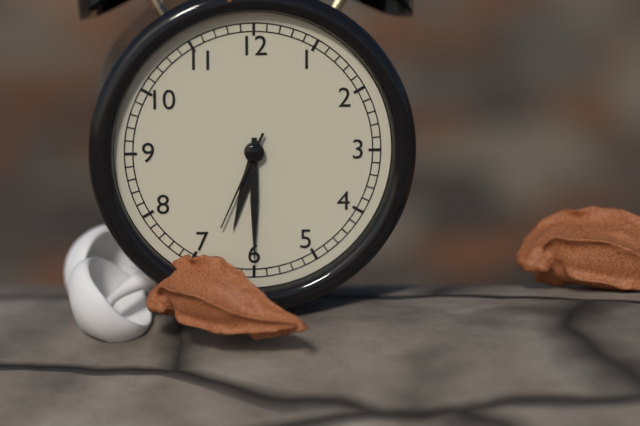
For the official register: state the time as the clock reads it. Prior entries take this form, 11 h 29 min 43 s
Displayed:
6 h 30 min 34 s
